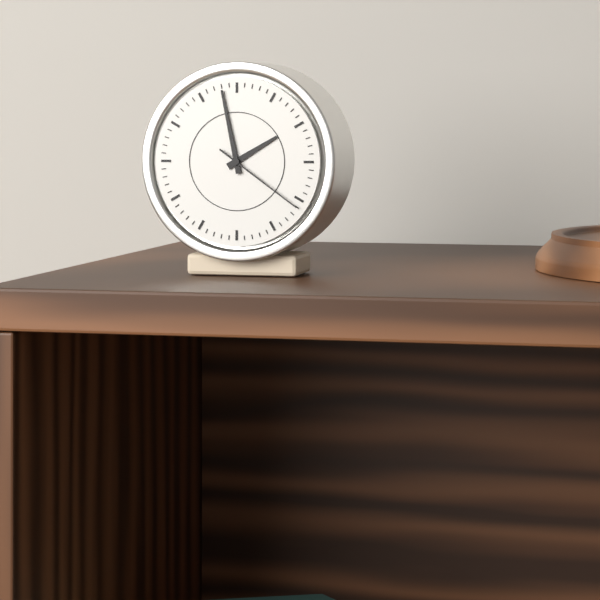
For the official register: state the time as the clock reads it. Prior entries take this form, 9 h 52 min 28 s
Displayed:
1 h 58 min 21 s
